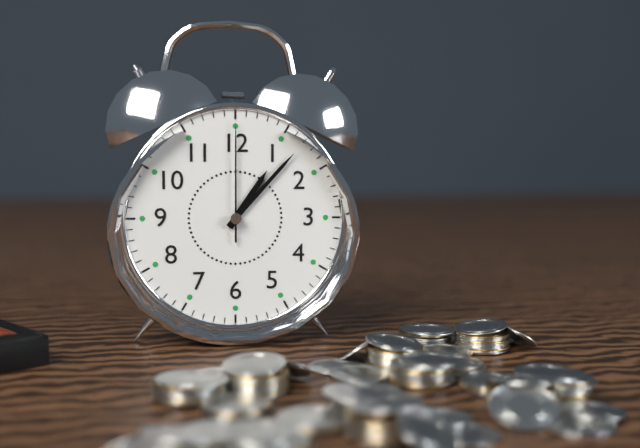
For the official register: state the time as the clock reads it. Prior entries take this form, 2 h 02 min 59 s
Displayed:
1 h 07 min 00 s
